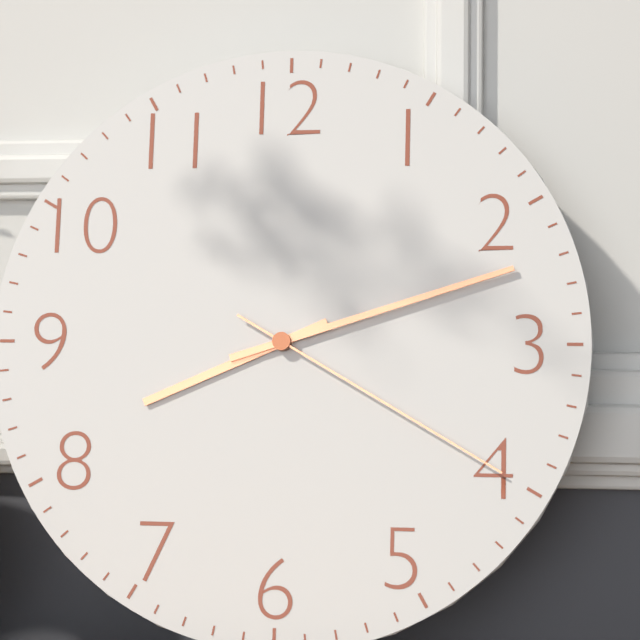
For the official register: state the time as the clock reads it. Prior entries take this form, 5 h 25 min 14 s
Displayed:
8 h 12 min 20 s
